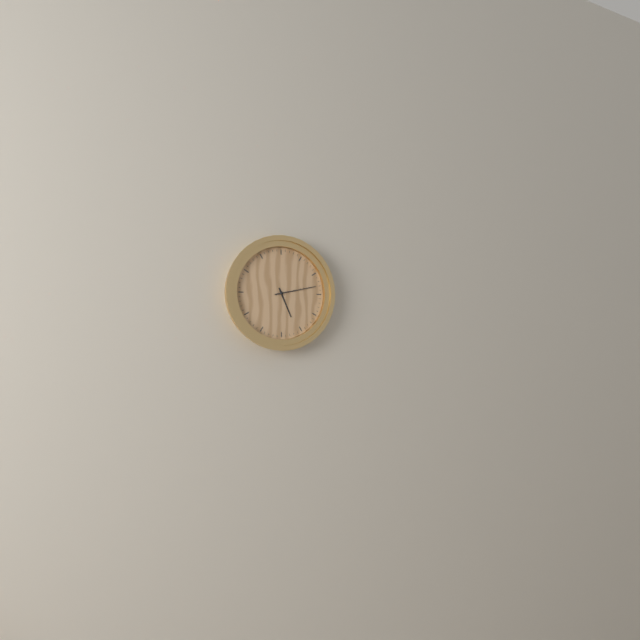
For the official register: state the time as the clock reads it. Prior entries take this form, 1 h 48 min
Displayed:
5 h 13 min
